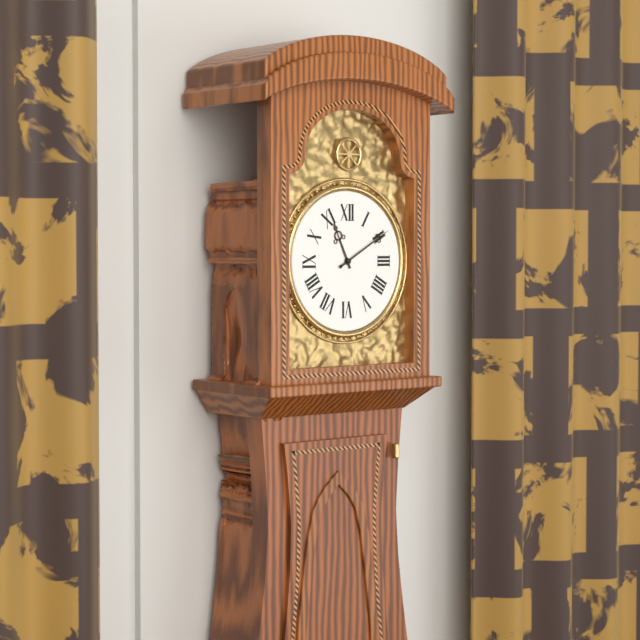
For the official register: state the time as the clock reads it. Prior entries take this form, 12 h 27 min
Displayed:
11 h 10 min
